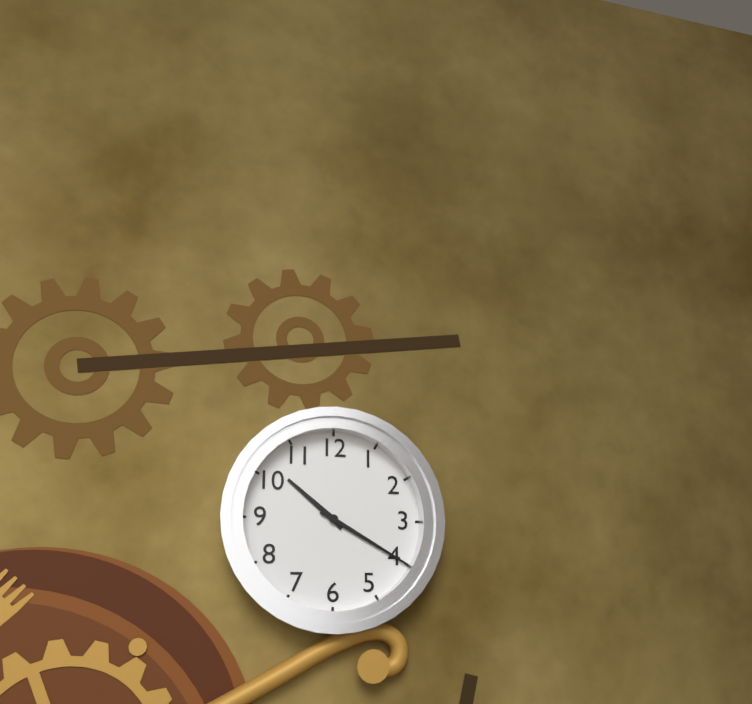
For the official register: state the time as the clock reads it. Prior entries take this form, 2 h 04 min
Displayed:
10 h 20 min
